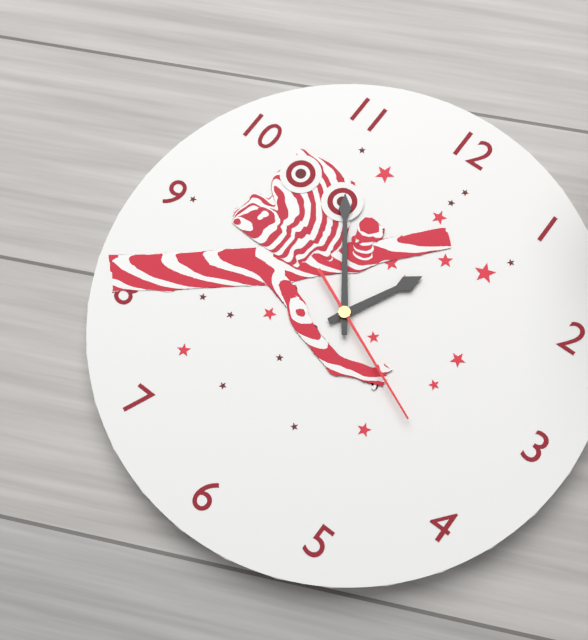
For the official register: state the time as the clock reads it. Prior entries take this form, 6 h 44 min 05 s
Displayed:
12 h 54 min 19 s
